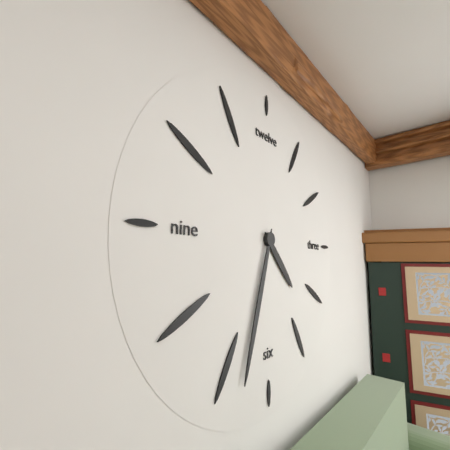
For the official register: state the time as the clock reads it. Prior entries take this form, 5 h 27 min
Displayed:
4 h 33 min
